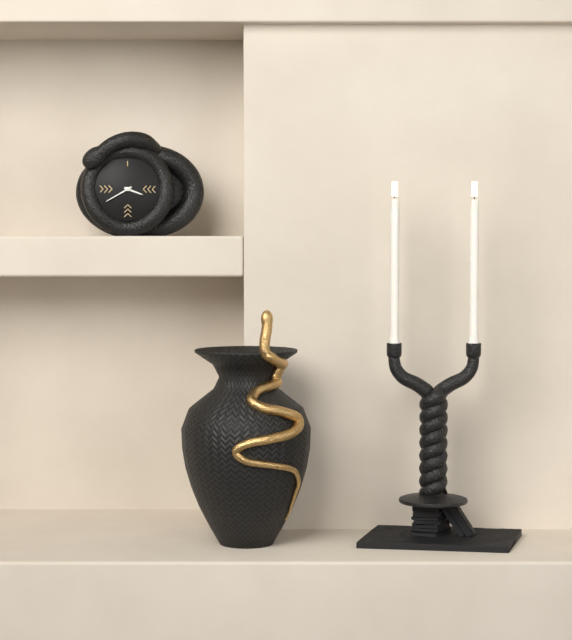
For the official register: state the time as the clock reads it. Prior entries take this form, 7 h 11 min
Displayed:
3 h 40 min
